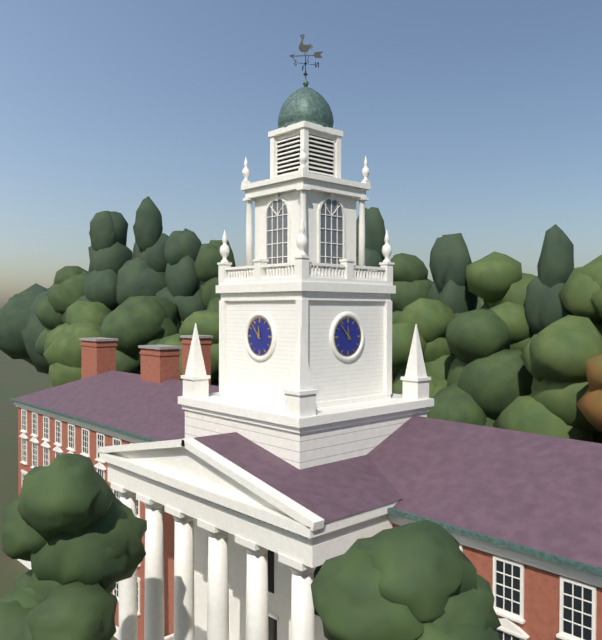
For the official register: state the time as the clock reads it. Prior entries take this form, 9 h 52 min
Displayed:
11 h 53 min
